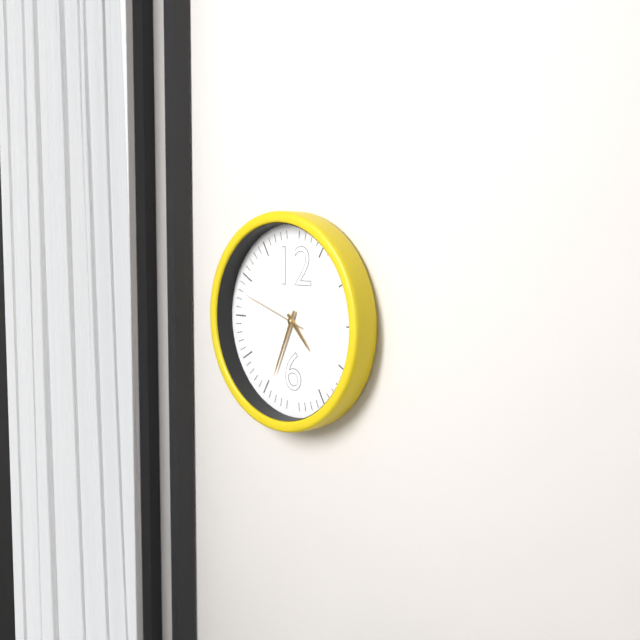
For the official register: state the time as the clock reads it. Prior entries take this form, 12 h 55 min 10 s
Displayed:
4 h 34 min 48 s
